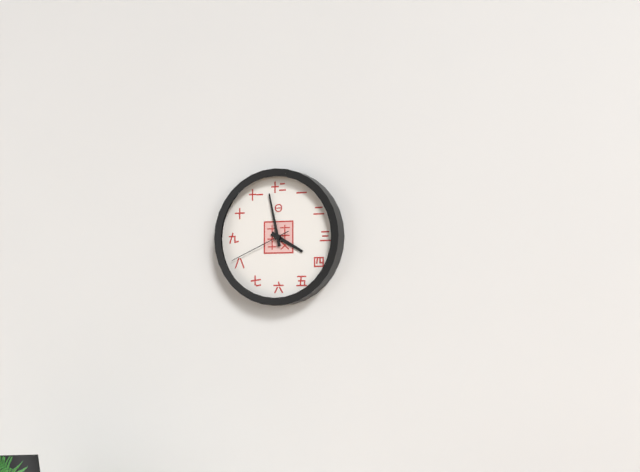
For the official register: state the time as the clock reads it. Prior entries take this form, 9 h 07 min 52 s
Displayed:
3 h 58 min 41 s
